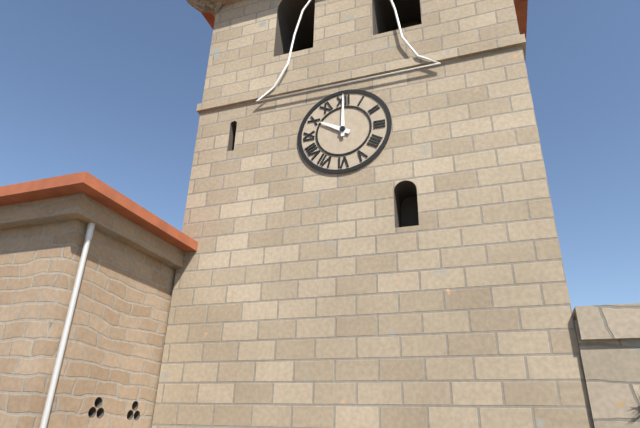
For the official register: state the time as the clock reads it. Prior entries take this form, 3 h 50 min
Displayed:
10 h 00 min
